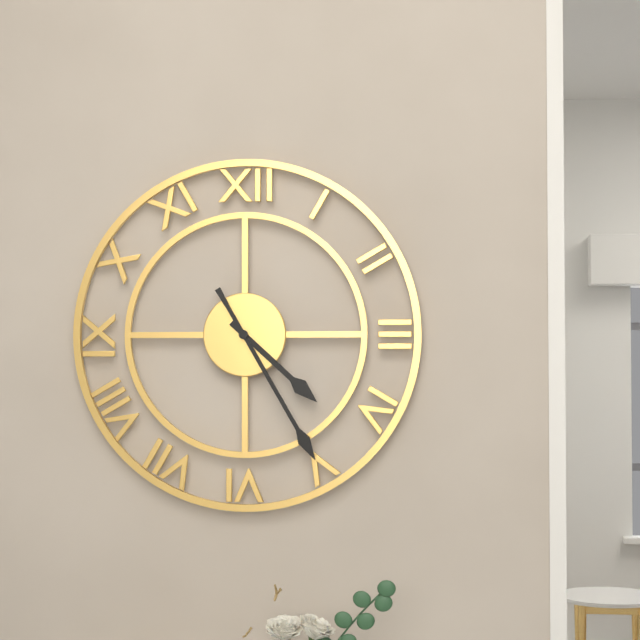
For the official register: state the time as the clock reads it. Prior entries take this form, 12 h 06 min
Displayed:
4 h 25 min
